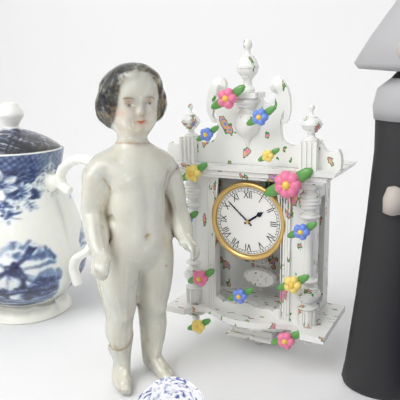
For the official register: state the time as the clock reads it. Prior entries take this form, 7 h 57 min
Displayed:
1 h 52 min
